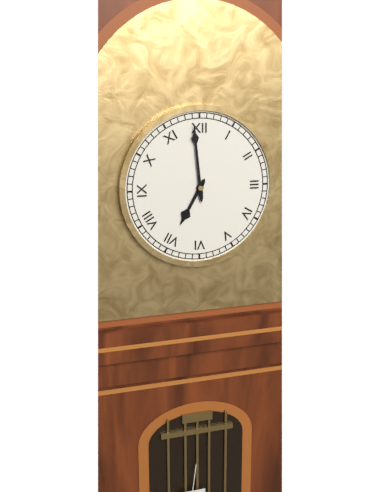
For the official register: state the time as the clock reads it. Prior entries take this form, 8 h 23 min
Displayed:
6 h 59 min
